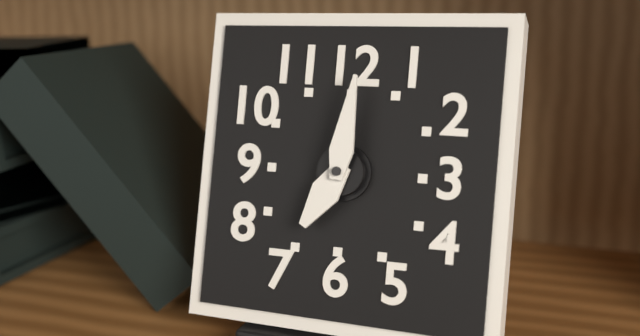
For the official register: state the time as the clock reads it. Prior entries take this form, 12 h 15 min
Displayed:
7 h 01 min
